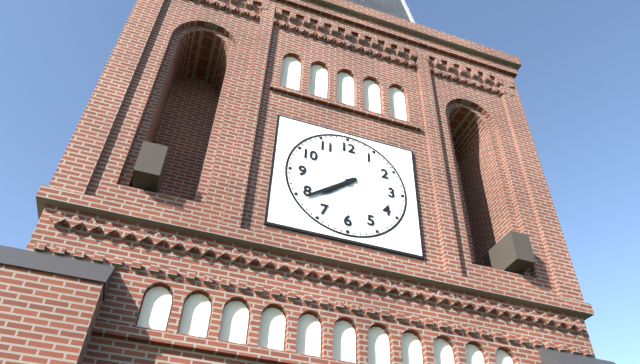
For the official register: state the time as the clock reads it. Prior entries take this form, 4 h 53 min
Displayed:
7 h 39 min
